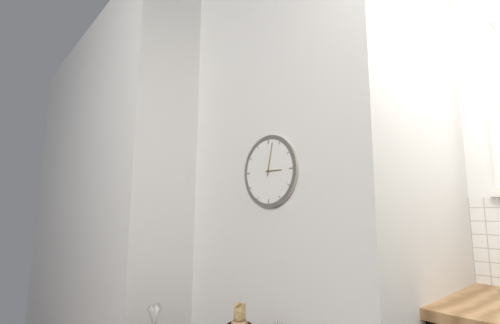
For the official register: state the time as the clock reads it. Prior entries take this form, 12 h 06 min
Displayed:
3 h 02 min
